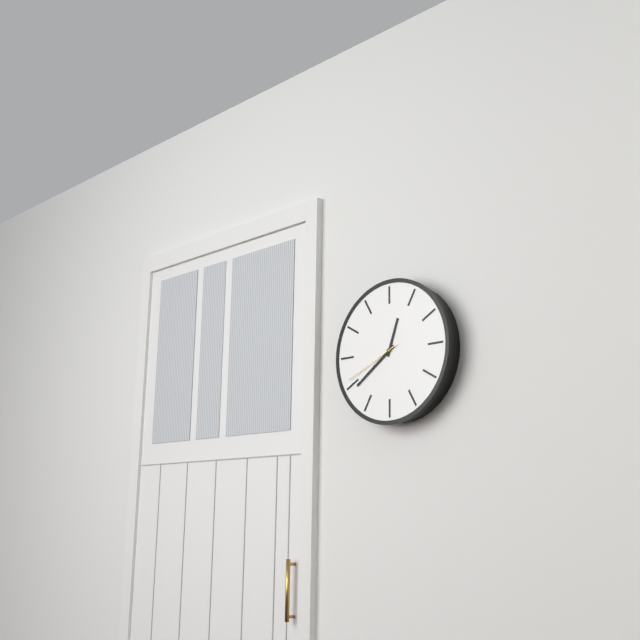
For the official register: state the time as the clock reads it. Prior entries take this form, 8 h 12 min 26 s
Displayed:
12 h 39 min 41 s
